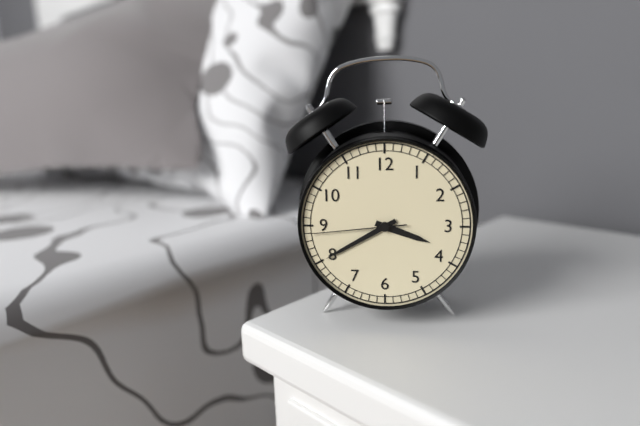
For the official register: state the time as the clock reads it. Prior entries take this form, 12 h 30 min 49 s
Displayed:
3 h 40 min 44 s
